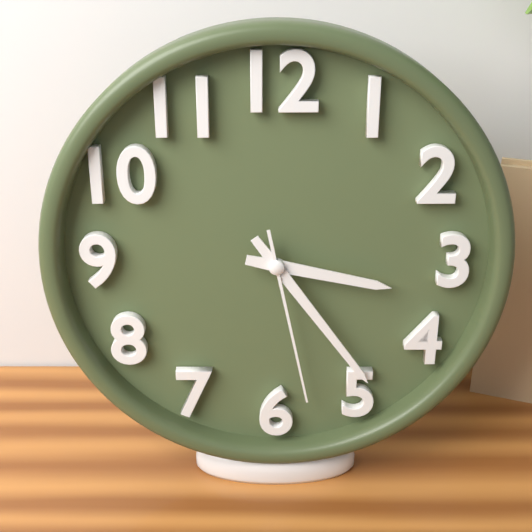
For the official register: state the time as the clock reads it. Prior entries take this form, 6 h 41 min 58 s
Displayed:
3 h 24 min 28 s
